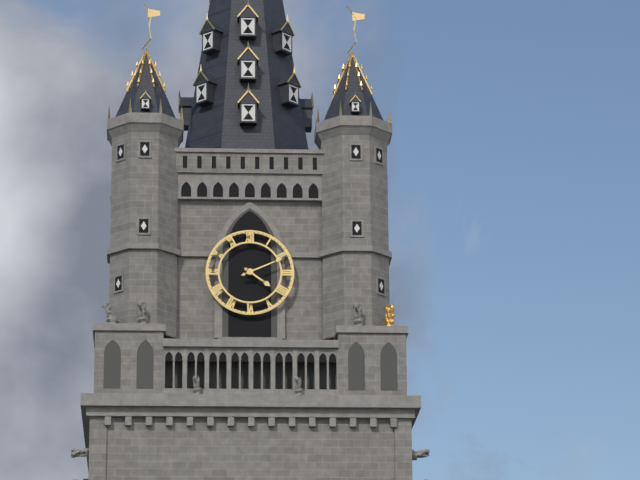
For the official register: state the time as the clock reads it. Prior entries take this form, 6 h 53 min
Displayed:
4 h 11 min
